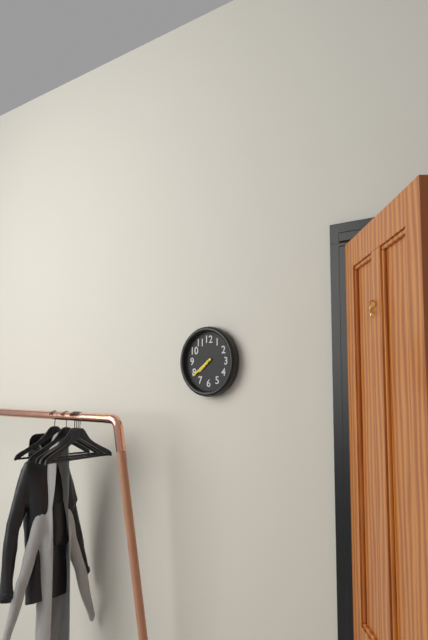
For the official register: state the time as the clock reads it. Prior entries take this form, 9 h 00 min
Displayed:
7 h 39 min
